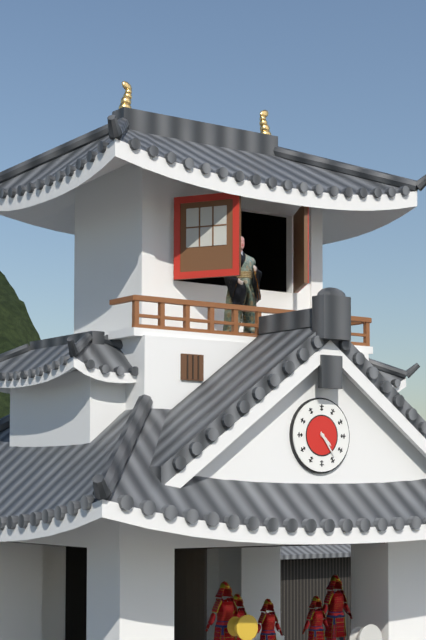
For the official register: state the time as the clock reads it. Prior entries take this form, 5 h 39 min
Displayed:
4 h 24 min
